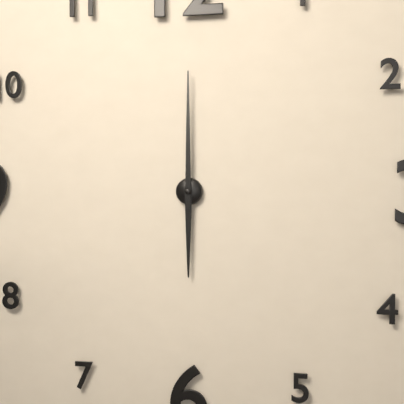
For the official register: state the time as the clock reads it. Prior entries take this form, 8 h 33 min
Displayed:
6 h 00 min
